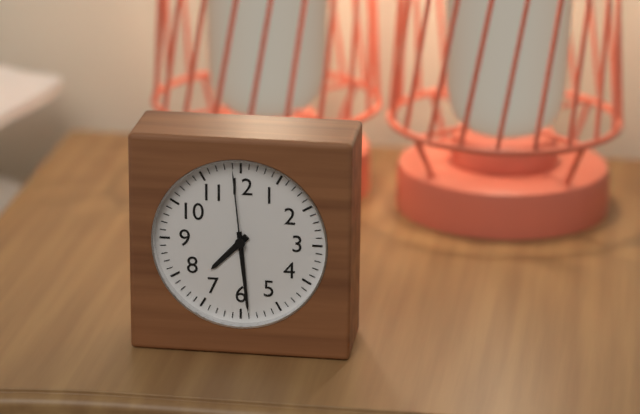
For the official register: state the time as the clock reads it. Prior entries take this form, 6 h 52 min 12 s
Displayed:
7 h 29 min 59 s
